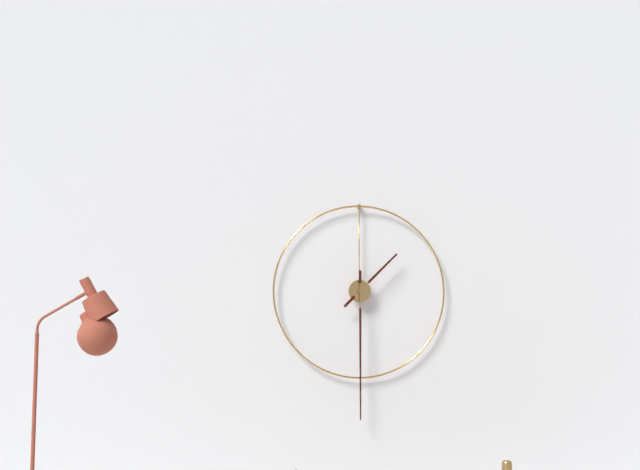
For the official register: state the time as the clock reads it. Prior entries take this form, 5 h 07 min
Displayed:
1 h 30 min
